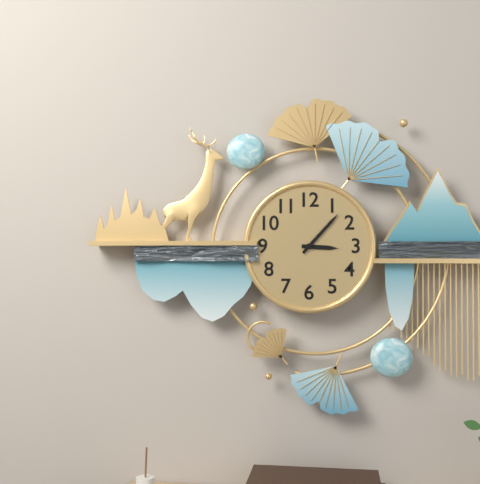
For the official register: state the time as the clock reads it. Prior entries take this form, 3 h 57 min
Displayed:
3 h 07 min
